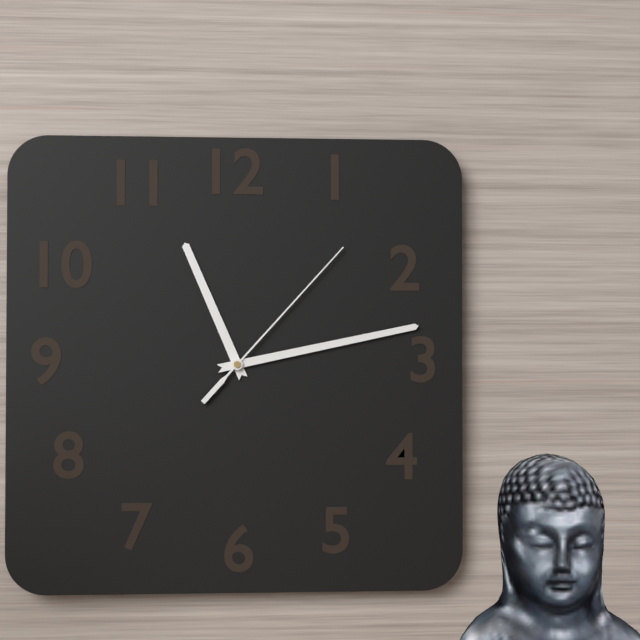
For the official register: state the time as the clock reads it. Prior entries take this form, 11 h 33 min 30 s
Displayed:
11 h 13 min 07 s
